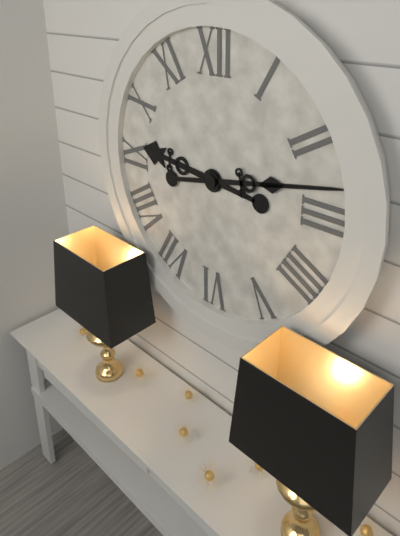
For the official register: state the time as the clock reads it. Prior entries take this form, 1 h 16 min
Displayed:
9 h 13 min
